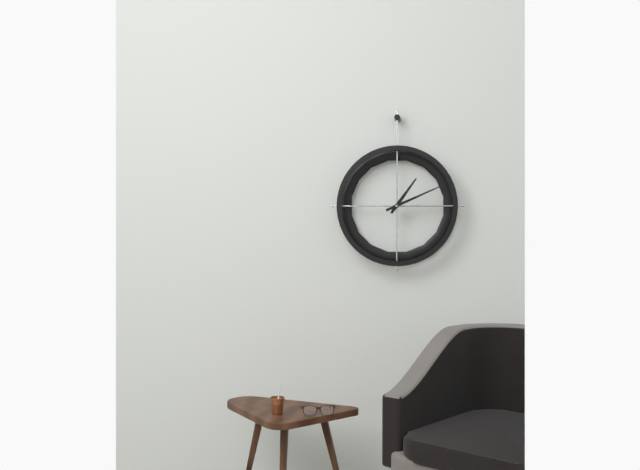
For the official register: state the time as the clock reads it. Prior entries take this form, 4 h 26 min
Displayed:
1 h 11 min
